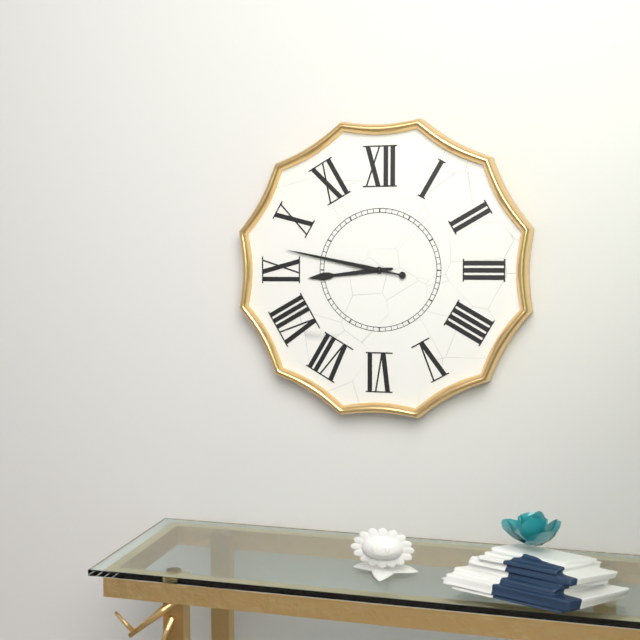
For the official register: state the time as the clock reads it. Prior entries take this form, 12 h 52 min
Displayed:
8 h 47 min
